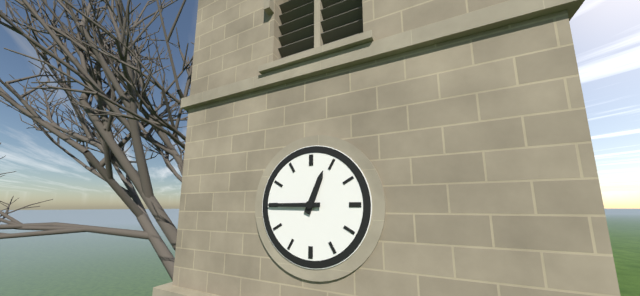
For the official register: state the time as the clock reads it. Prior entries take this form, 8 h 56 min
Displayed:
12 h 45 min
